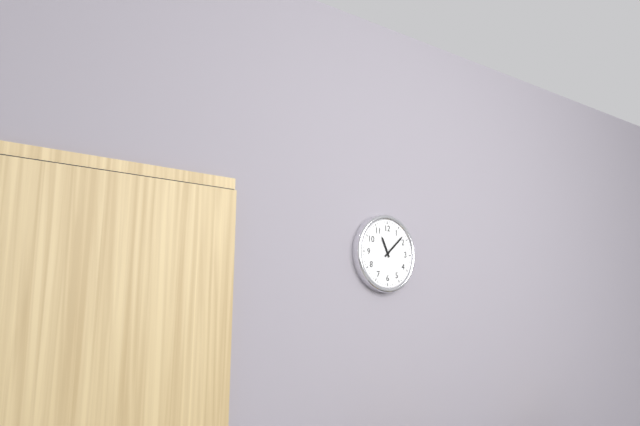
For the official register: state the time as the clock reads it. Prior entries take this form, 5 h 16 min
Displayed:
11 h 08 min
